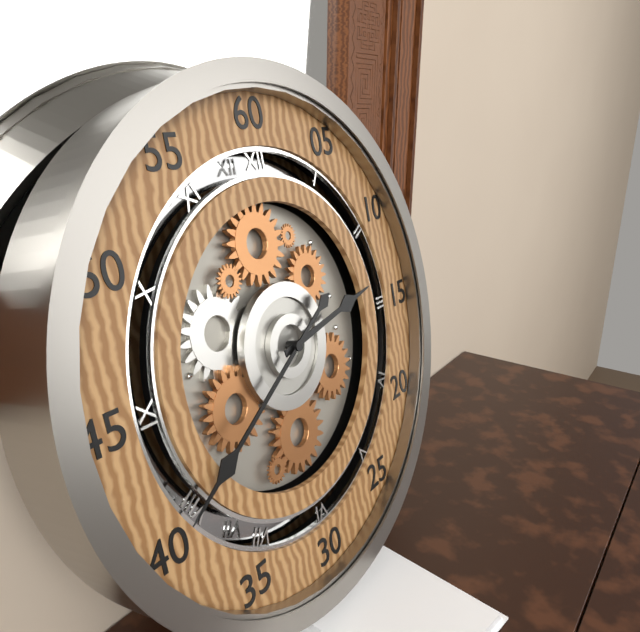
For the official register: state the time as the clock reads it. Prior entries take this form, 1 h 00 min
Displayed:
2 h 40 min
